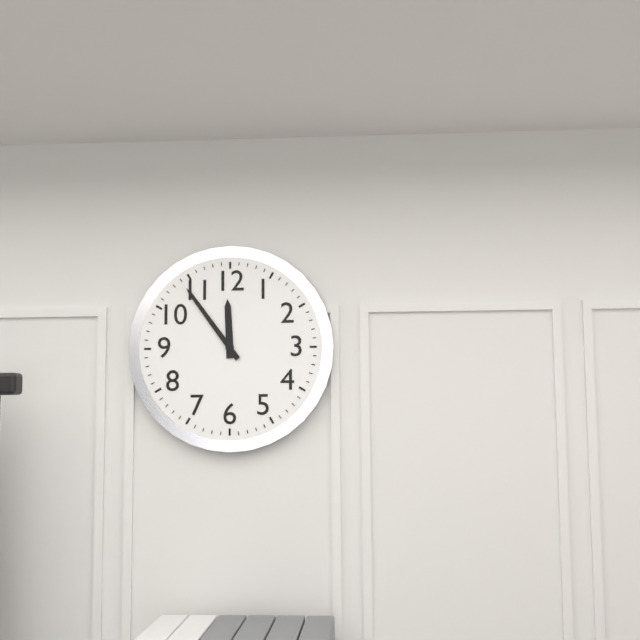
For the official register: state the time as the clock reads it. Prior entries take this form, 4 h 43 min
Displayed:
11 h 54 min
